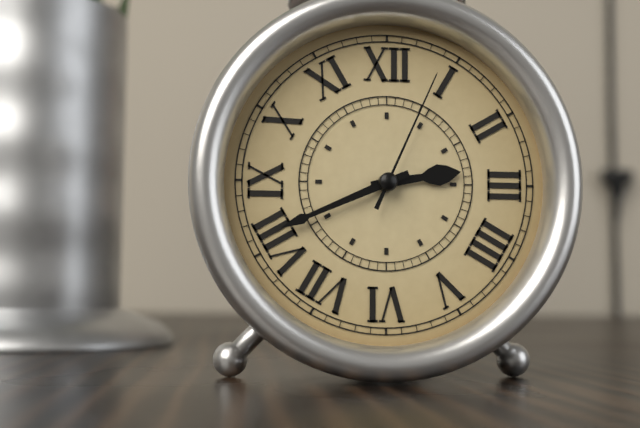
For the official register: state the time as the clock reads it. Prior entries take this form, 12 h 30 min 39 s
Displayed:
2 h 41 min 04 s
